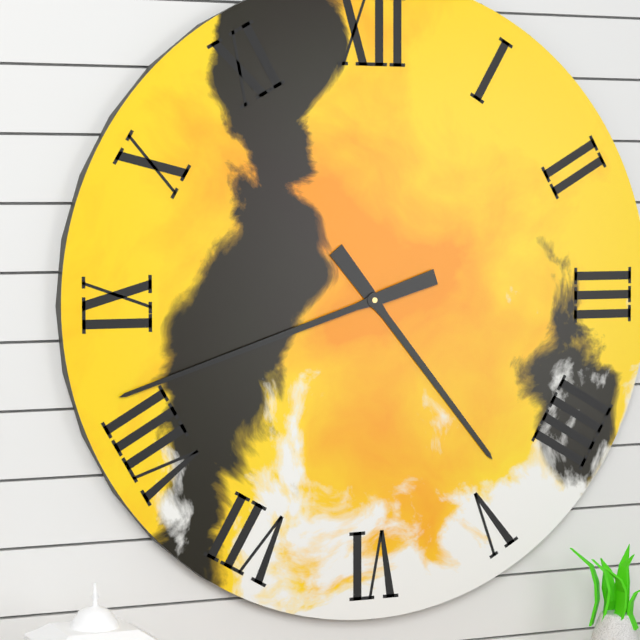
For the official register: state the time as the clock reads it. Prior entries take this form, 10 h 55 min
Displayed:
4 h 42 min
